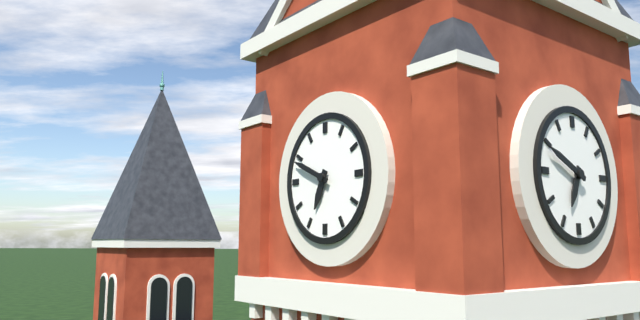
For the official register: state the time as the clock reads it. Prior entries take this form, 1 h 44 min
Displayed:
6 h 49 min
